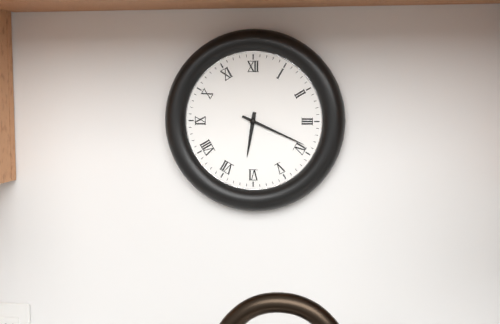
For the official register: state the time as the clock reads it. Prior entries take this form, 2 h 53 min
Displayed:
6 h 19 min
